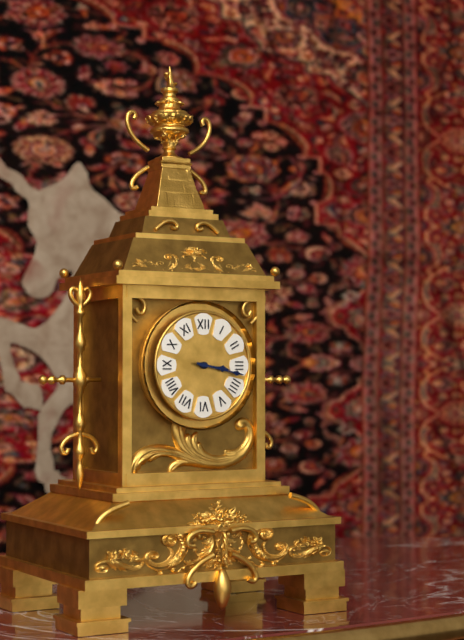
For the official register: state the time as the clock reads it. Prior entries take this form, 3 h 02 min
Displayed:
3 h 17 min
